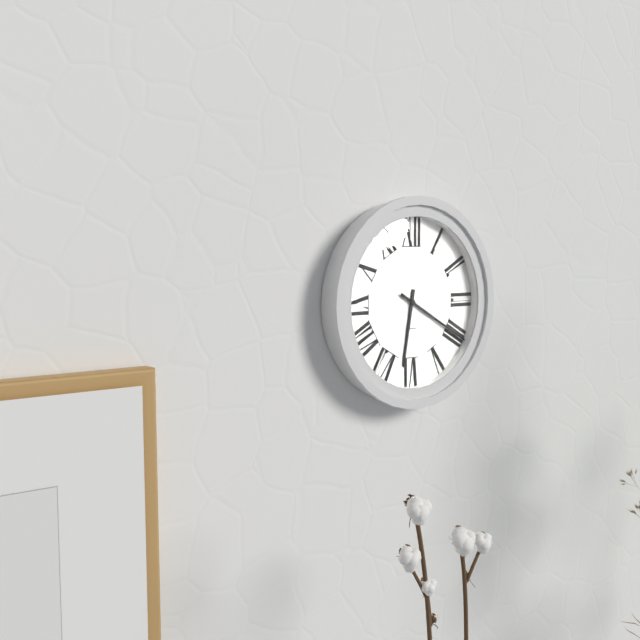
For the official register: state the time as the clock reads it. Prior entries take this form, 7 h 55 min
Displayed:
6 h 20 min
